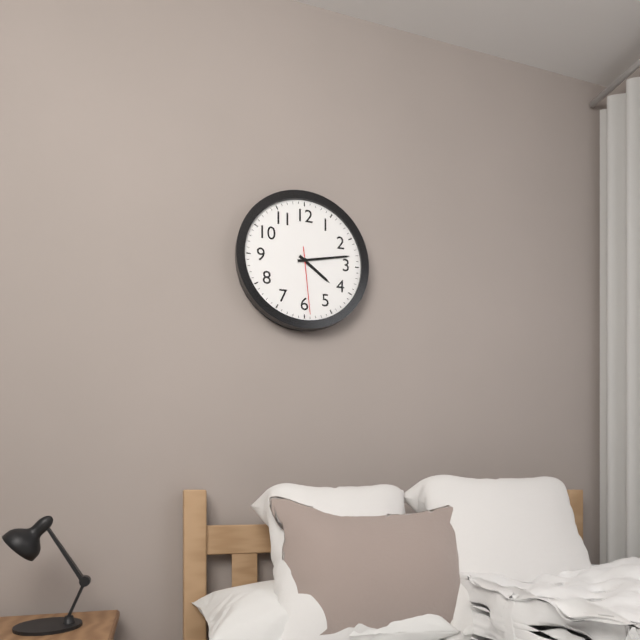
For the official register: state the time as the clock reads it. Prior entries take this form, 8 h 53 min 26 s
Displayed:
4 h 13 min 29 s
